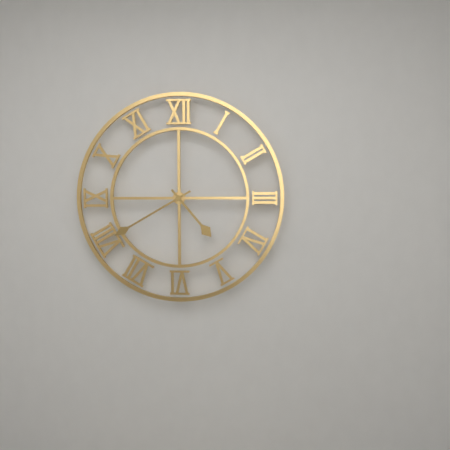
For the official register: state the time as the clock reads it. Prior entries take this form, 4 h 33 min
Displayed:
4 h 40 min
